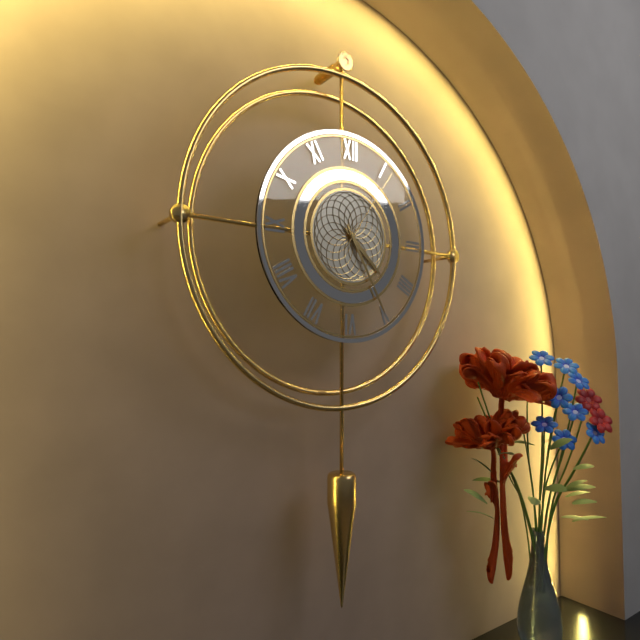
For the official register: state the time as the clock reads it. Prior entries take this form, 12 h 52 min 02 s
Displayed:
4 h 25 min 06 s
